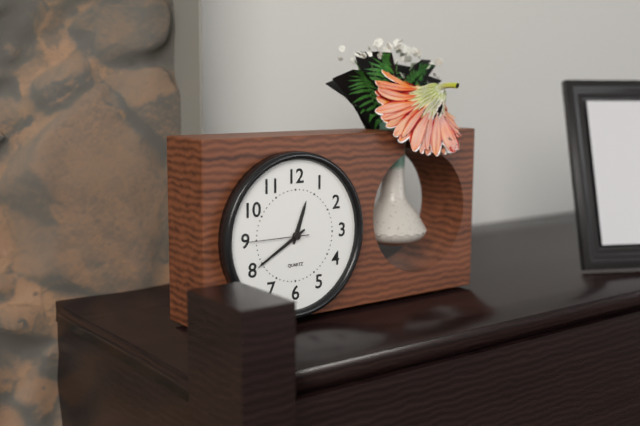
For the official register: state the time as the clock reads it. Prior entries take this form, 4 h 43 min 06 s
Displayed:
12 h 40 min 45 s
